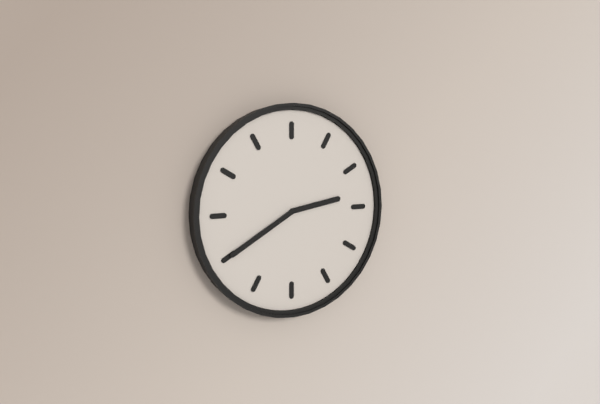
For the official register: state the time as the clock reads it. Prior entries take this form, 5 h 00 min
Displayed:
2 h 40 min
